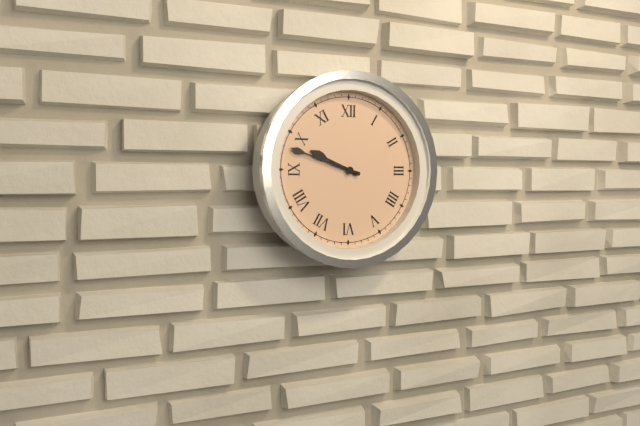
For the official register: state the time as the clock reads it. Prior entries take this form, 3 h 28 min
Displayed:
9 h 48 min
